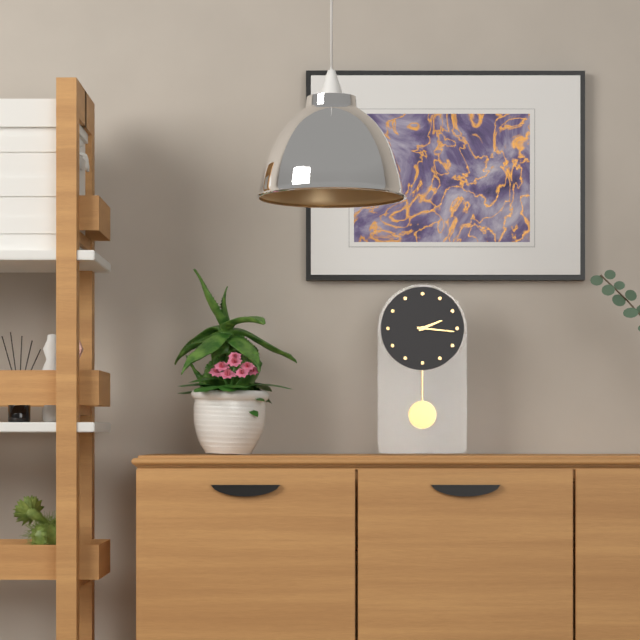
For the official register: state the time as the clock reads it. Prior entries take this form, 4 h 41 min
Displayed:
2 h 16 min
